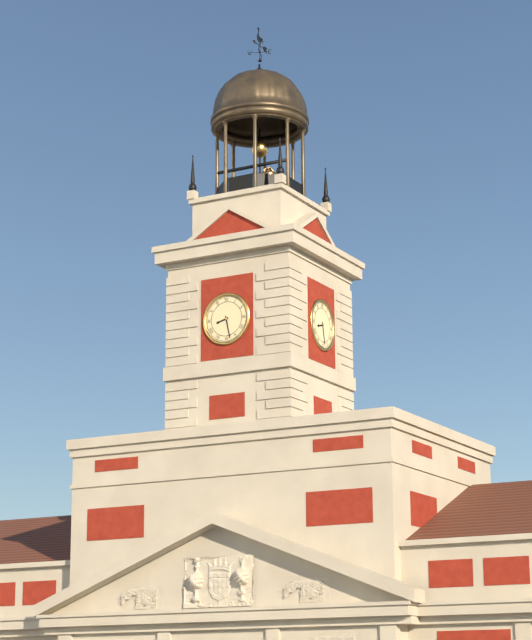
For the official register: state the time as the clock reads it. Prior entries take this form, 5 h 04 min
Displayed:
8 h 28 min
